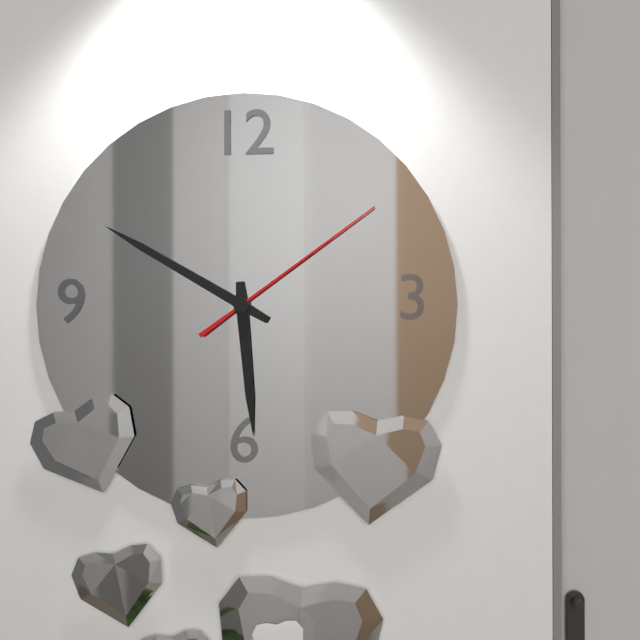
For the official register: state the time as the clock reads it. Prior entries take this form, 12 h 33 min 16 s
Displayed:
5 h 50 min 09 s
